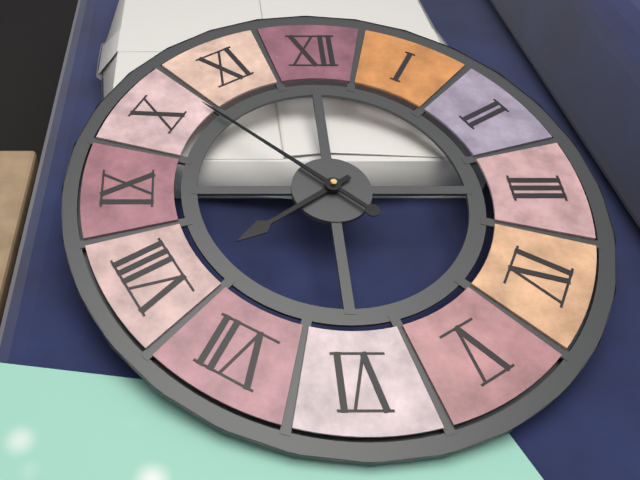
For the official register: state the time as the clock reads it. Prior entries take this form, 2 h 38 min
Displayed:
7 h 52 min
